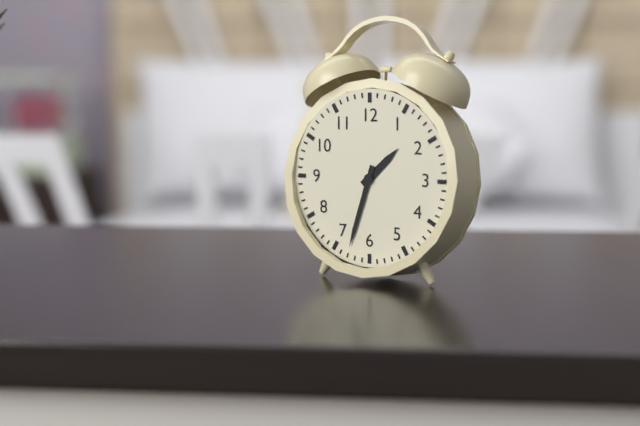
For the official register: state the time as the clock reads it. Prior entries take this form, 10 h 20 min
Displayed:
1 h 33 min
